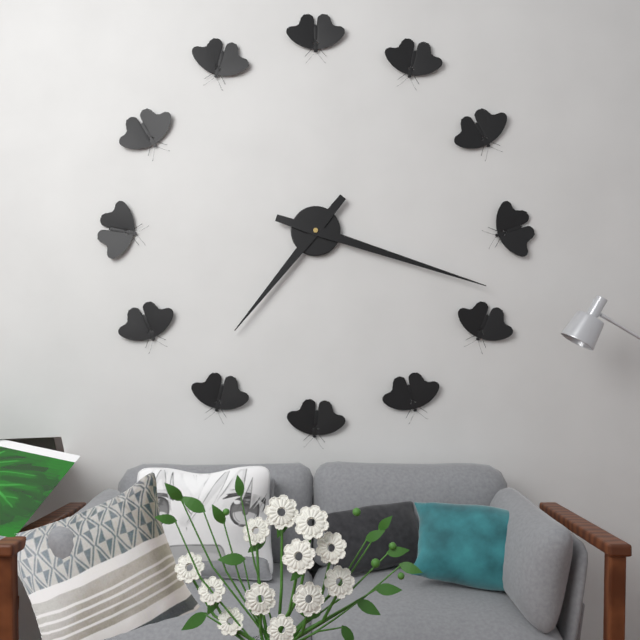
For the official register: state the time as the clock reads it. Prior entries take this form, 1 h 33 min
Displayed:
7 h 18 min
